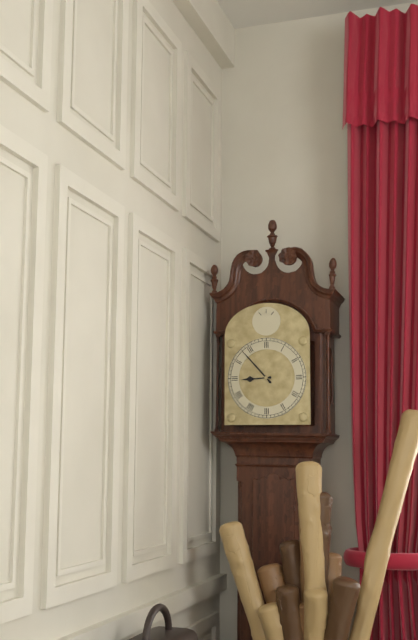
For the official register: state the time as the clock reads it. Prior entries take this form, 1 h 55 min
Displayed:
8 h 53 min
